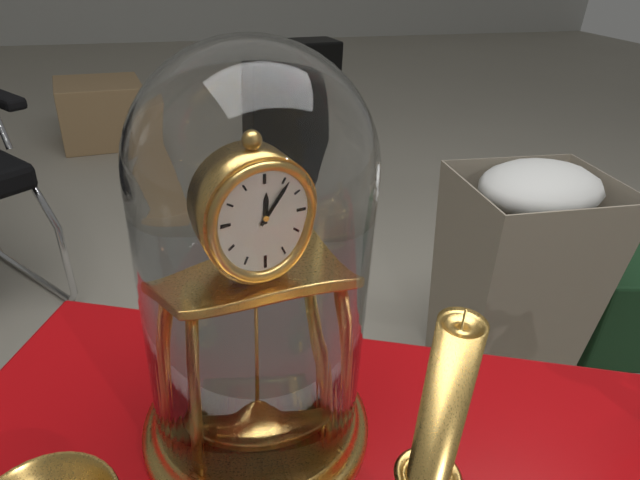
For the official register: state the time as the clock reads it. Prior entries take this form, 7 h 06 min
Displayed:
12 h 06 min
